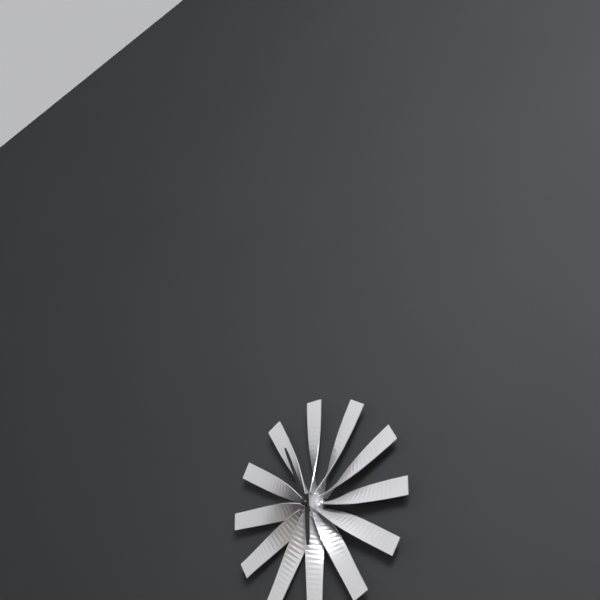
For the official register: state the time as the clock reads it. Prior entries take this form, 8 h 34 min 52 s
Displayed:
5 h 56 min 22 s
